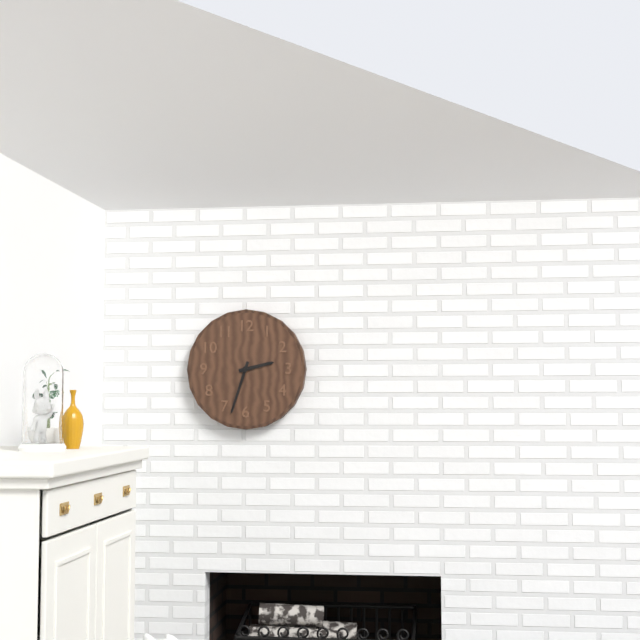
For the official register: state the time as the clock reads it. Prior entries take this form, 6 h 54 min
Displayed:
2 h 33 min
